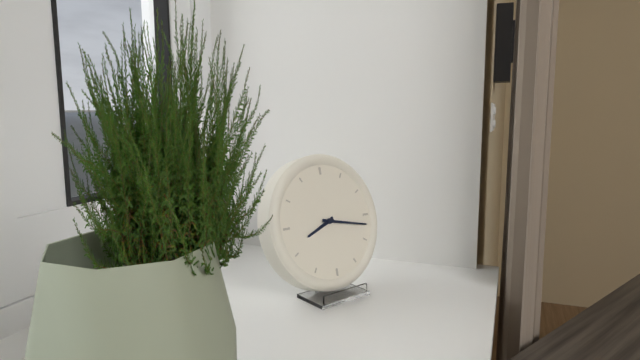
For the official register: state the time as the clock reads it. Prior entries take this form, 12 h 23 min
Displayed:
8 h 17 min
